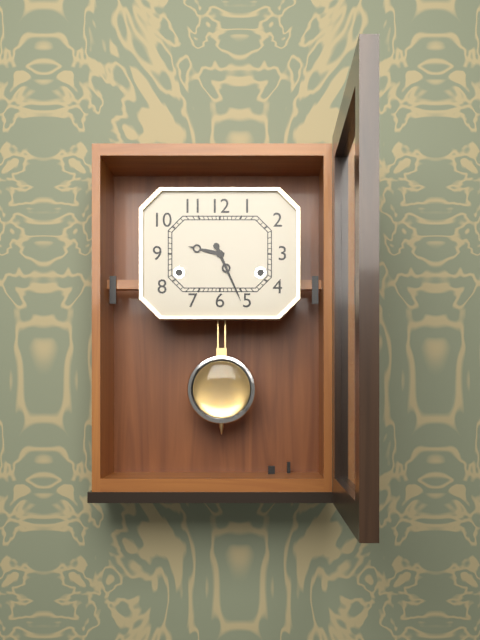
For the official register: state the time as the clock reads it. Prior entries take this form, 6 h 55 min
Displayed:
9 h 26 min
